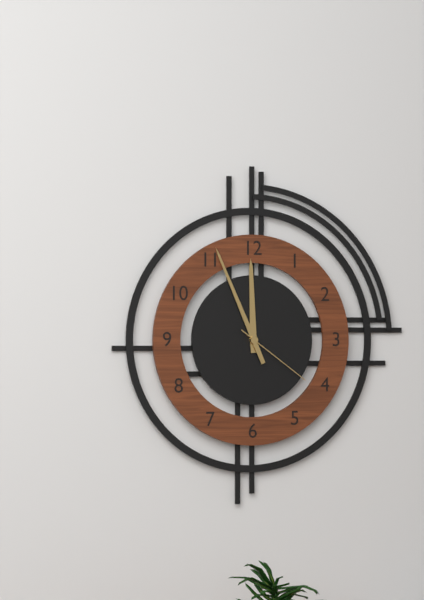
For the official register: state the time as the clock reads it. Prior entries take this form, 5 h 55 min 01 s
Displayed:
11 h 56 min 21 s
